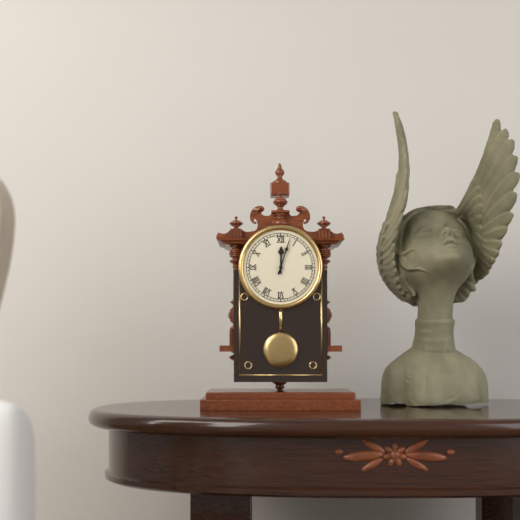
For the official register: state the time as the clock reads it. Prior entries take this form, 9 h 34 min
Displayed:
12 h 03 min
